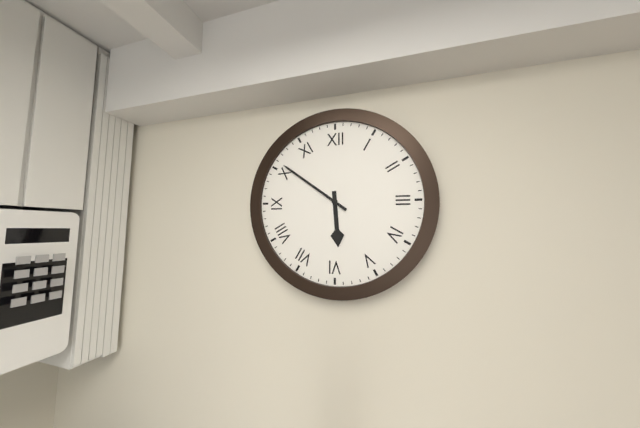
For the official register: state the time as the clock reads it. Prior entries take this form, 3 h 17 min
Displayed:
5 h 51 min
